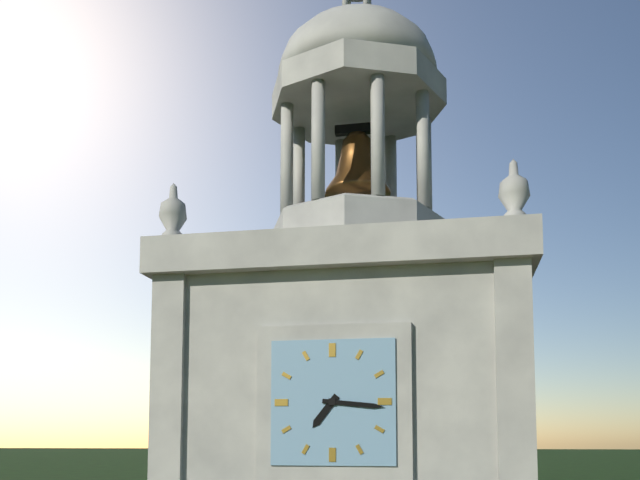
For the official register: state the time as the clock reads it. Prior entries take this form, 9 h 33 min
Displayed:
7 h 16 min
